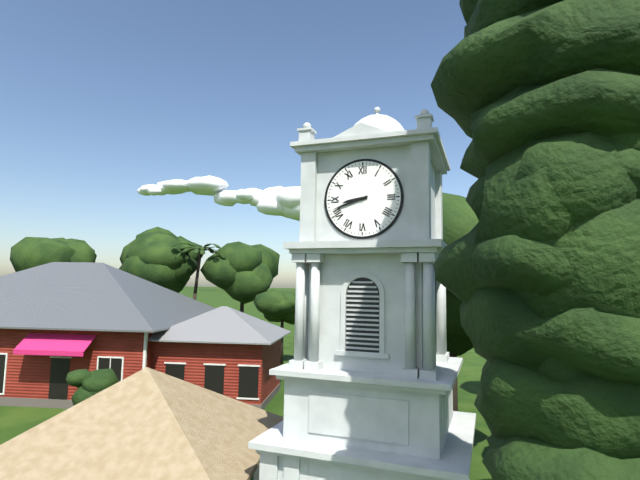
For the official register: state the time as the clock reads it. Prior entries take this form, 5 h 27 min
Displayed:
8 h 42 min
